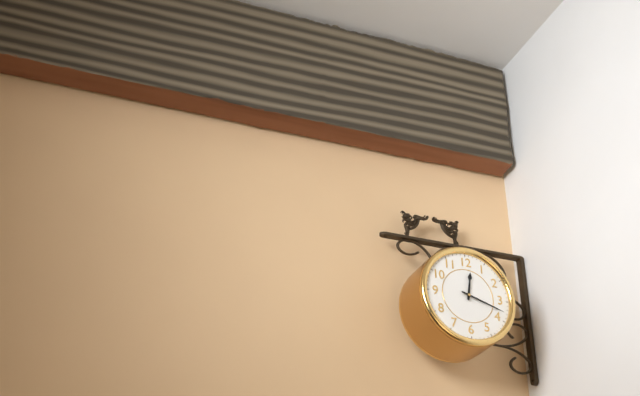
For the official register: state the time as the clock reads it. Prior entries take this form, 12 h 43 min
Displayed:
12 h 18 min
